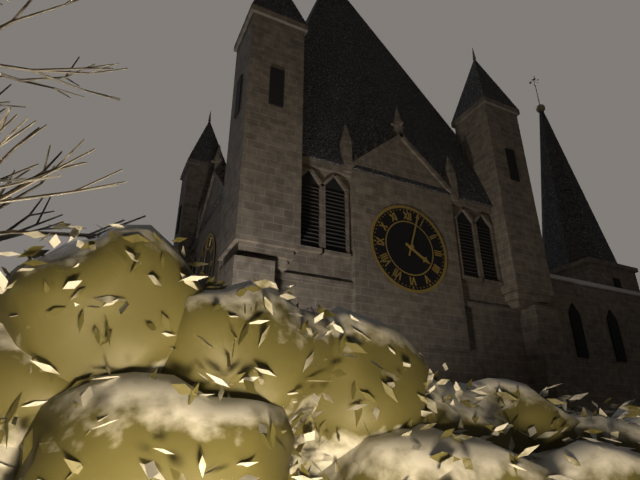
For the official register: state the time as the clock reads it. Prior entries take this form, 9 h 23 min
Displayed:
4 h 03 min
